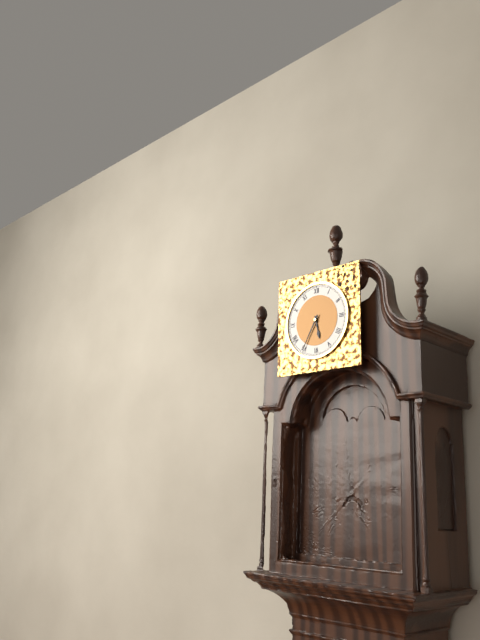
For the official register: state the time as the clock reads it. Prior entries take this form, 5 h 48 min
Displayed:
5 h 35 min
